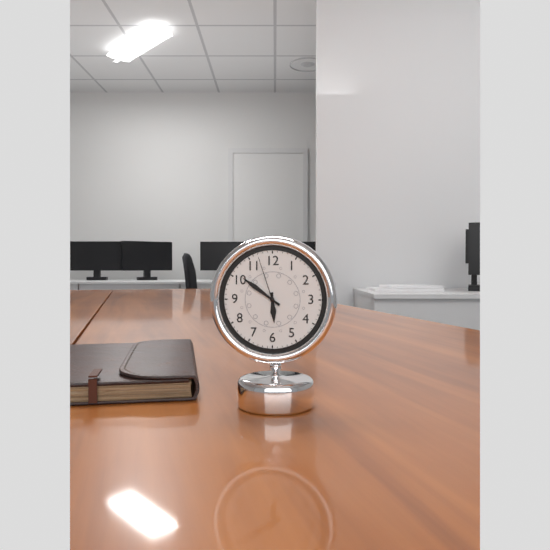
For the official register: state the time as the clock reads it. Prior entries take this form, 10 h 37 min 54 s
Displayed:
5 h 51 min 57 s
